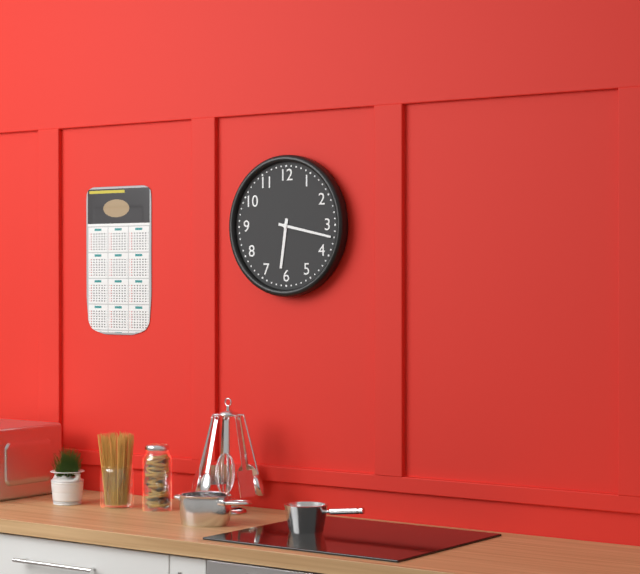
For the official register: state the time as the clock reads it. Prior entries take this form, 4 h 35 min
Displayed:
6 h 17 min
